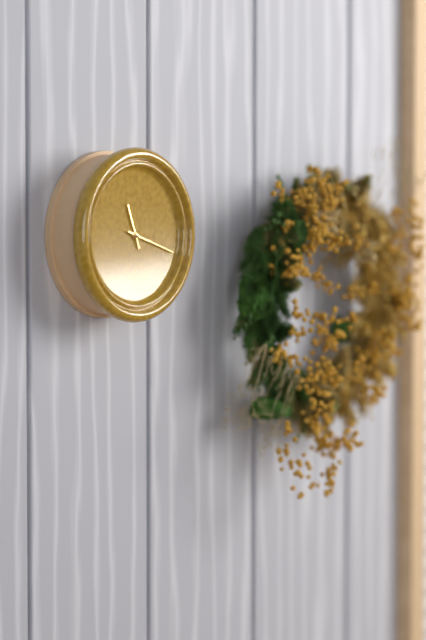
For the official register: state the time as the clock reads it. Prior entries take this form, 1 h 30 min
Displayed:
11 h 18 min
